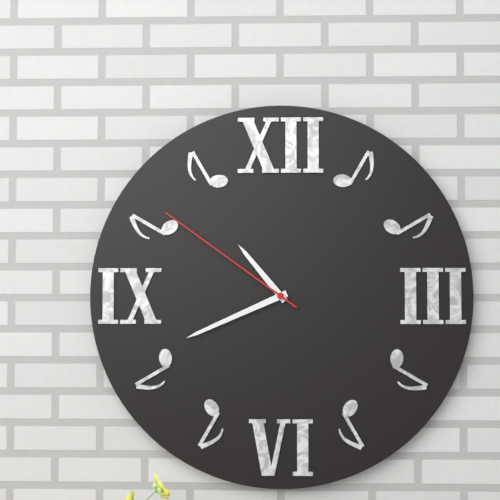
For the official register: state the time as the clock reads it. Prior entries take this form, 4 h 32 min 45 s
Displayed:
10 h 41 min 51 s
